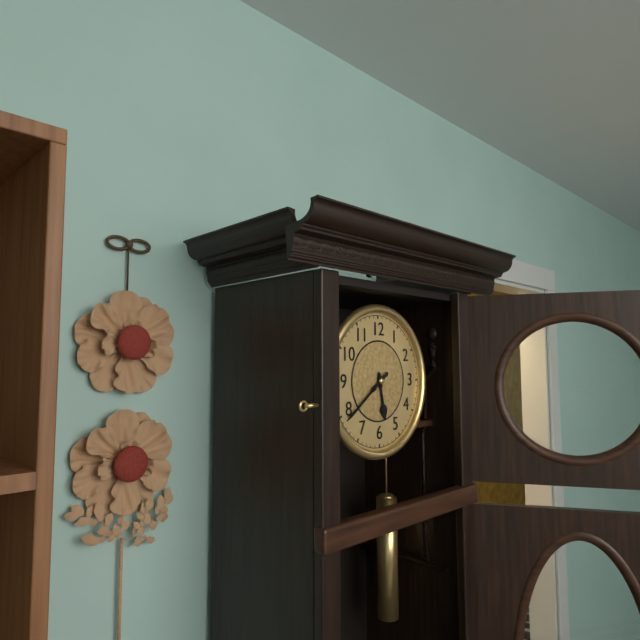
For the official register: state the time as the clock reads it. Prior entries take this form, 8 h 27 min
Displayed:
5 h 39 min
